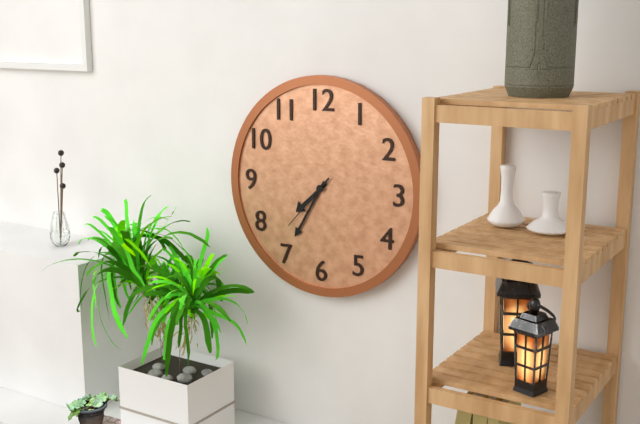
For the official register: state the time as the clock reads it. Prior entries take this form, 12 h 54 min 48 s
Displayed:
7 h 35 min 37 s
